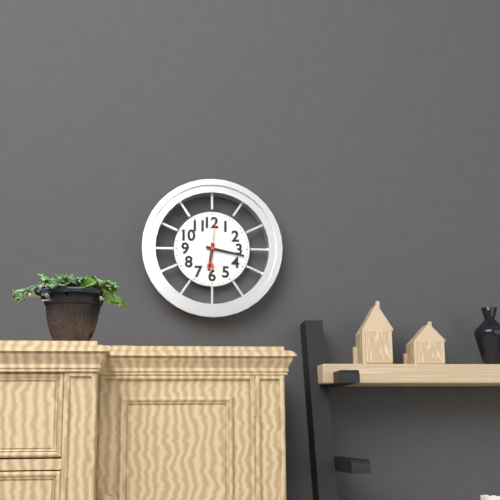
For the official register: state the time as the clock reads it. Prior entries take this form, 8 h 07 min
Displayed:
6 h 17 min
